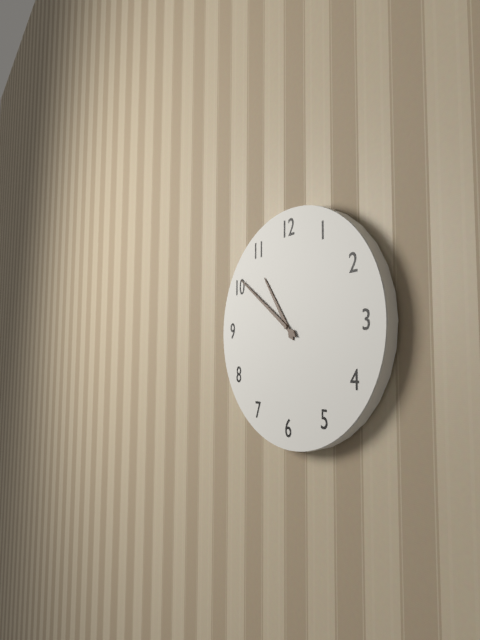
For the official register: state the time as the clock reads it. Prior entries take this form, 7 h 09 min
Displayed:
10 h 51 min
